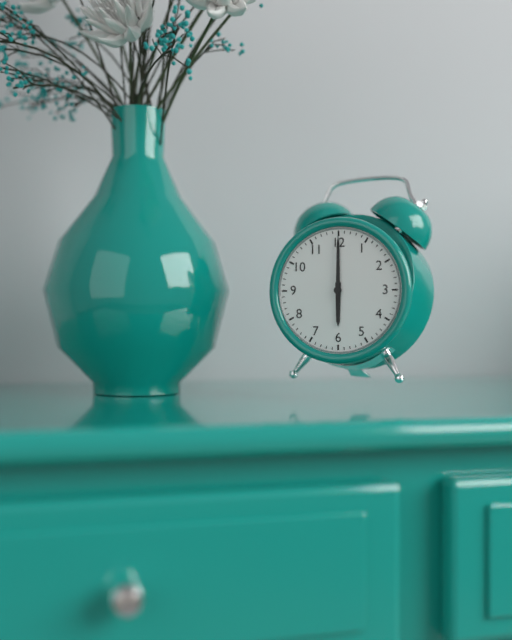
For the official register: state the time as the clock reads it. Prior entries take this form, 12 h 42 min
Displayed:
6 h 00 min
